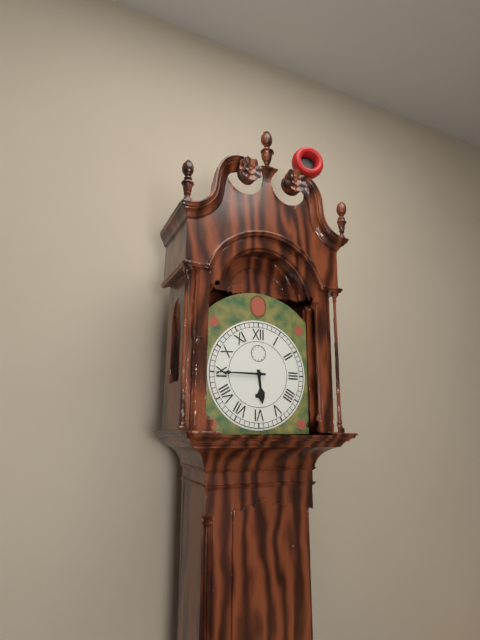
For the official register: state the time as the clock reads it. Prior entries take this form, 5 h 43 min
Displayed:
5 h 45 min
